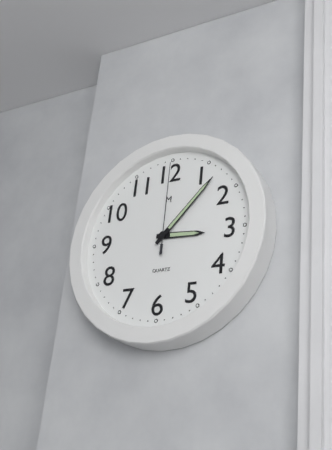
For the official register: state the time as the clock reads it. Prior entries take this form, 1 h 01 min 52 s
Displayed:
3 h 07 min 00 s
